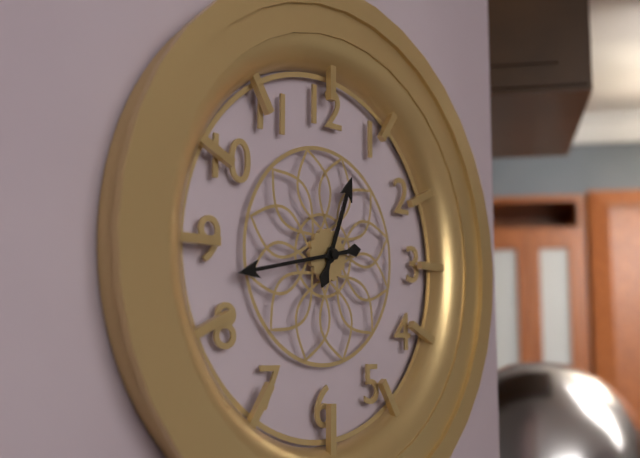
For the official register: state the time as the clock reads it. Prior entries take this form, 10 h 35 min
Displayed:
12 h 43 min
